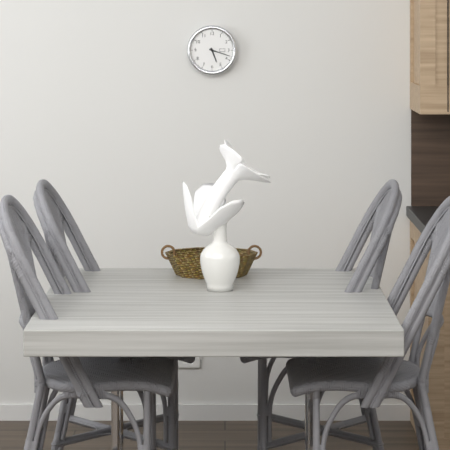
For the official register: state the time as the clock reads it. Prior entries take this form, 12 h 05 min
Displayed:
5 h 18 min
